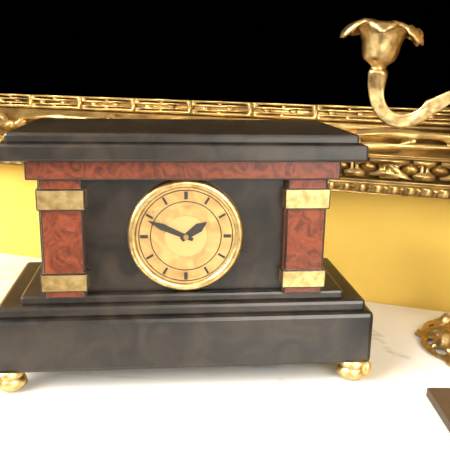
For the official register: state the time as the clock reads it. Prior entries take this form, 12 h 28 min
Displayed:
1 h 49 min
